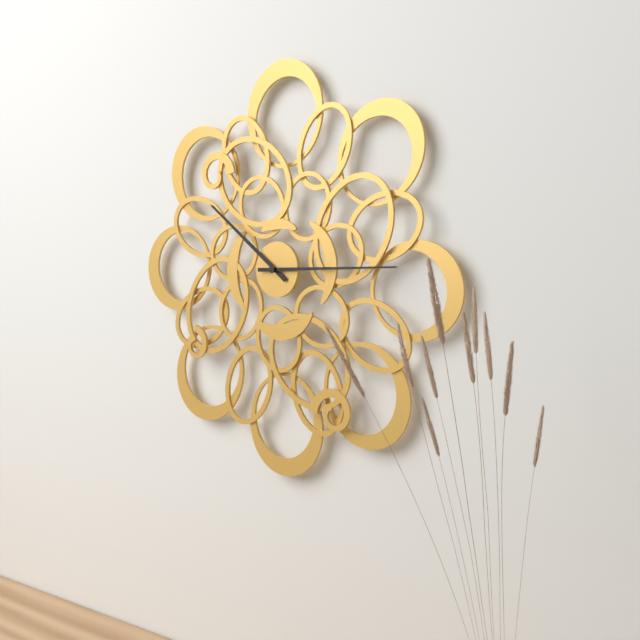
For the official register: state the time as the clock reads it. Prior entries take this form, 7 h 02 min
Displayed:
10 h 15 min
